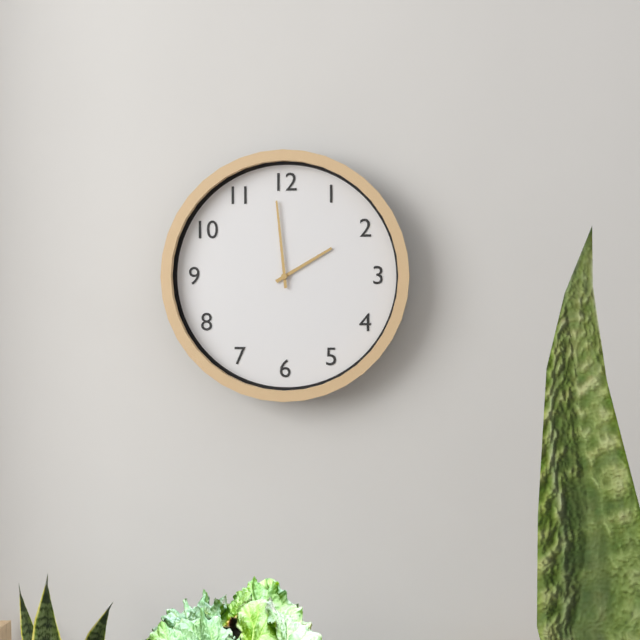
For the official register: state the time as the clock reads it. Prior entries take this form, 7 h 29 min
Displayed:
1 h 59 min
